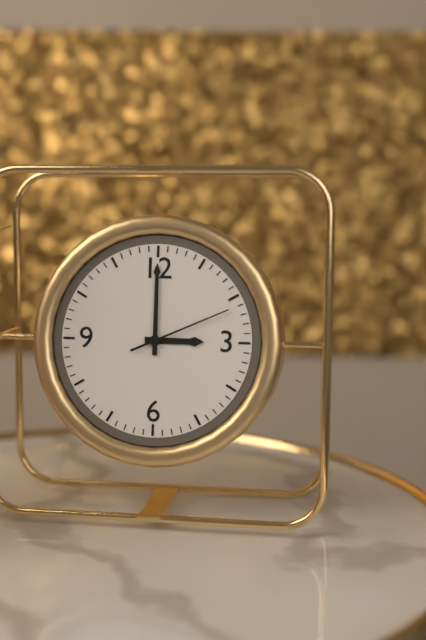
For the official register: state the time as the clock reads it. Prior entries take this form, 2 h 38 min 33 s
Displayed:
3 h 00 min 11 s
